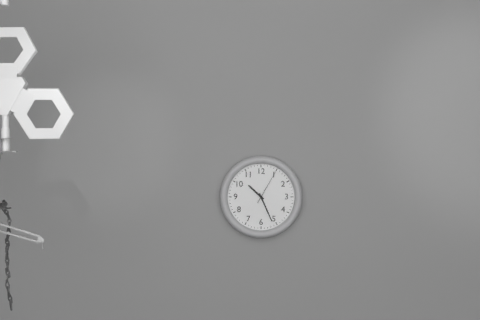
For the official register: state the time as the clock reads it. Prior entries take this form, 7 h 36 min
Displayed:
10 h 26 min
